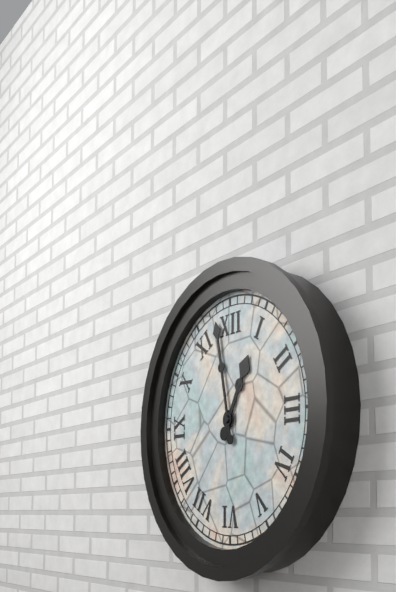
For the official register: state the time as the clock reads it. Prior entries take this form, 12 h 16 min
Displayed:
12 h 58 min
